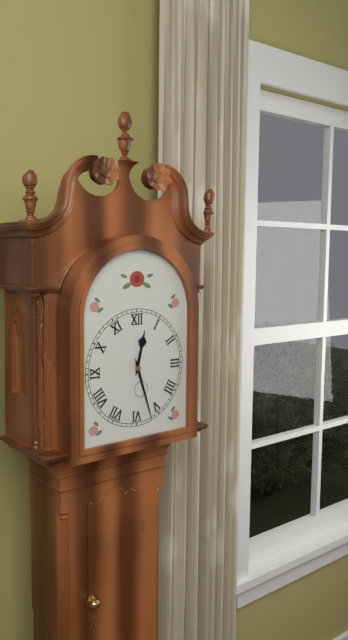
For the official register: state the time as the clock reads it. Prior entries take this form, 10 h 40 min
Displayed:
12 h 27 min
